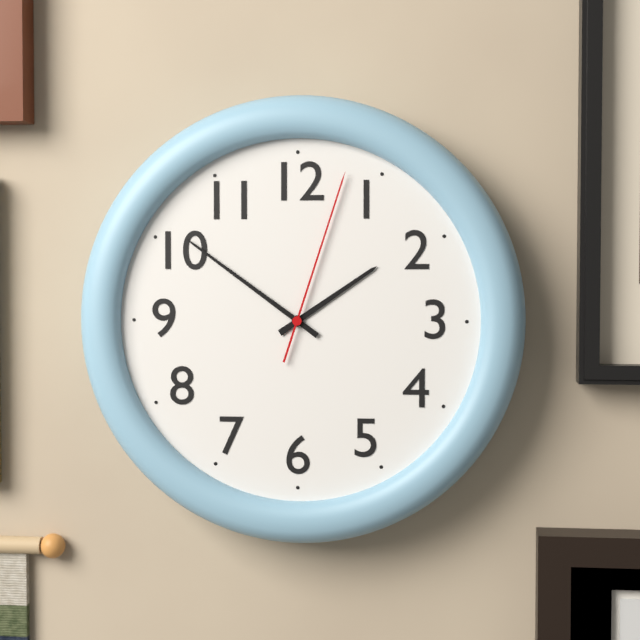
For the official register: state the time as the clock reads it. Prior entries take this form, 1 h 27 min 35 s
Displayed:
1 h 51 min 03 s
